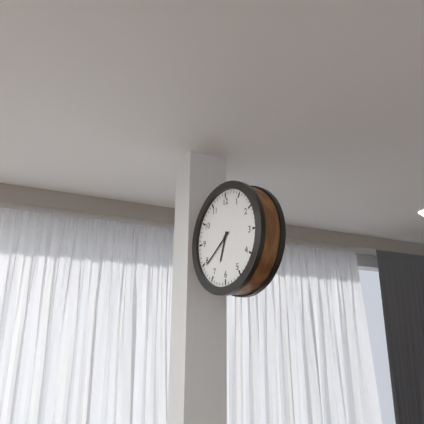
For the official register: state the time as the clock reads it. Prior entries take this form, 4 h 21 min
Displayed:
6 h 39 min
